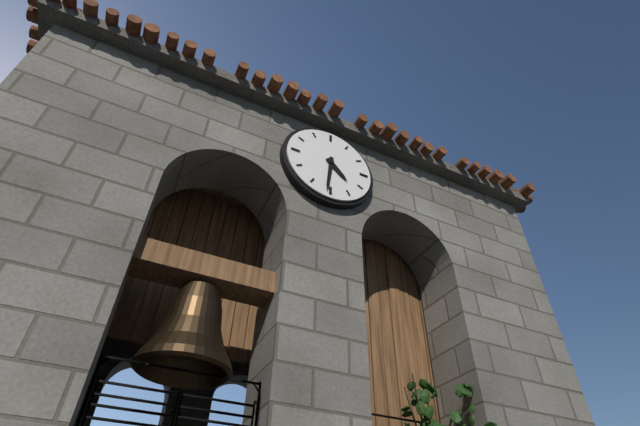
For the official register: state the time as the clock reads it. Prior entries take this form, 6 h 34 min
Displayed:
4 h 31 min
